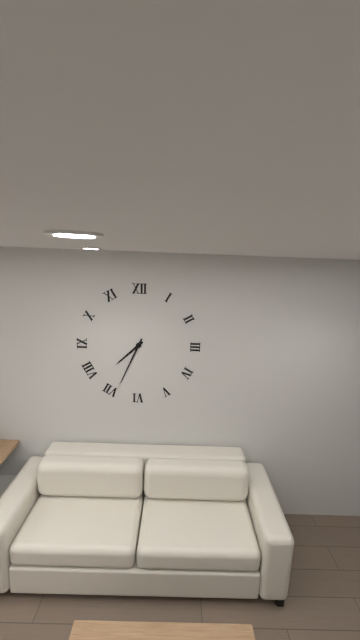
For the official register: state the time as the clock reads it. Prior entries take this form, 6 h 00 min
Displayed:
7 h 34 min
